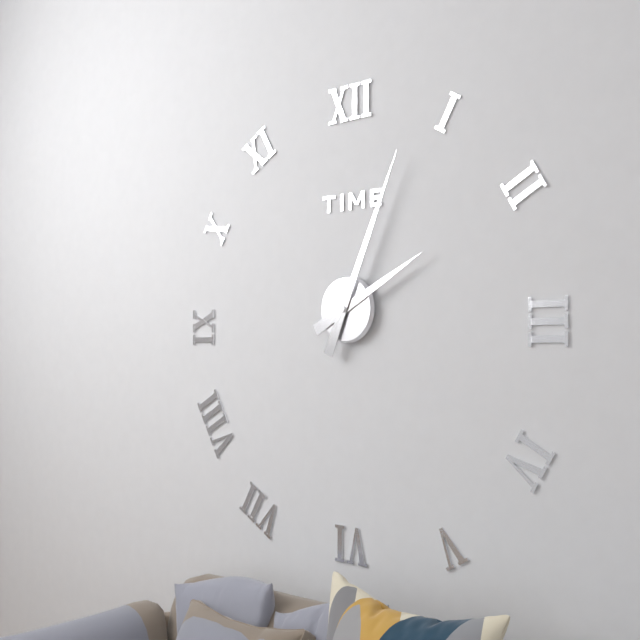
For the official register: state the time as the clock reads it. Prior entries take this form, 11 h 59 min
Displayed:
2 h 04 min
